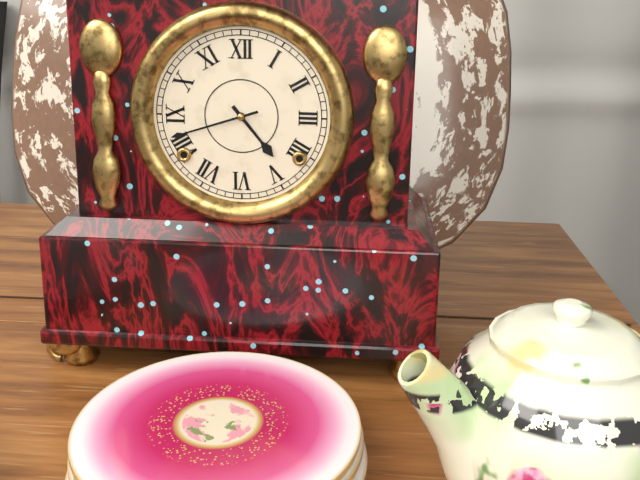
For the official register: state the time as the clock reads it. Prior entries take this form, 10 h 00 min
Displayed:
4 h 42 min
